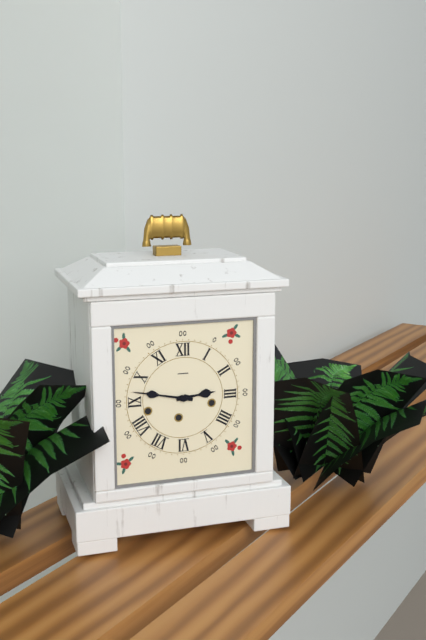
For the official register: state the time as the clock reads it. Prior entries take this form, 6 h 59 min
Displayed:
2 h 47 min
